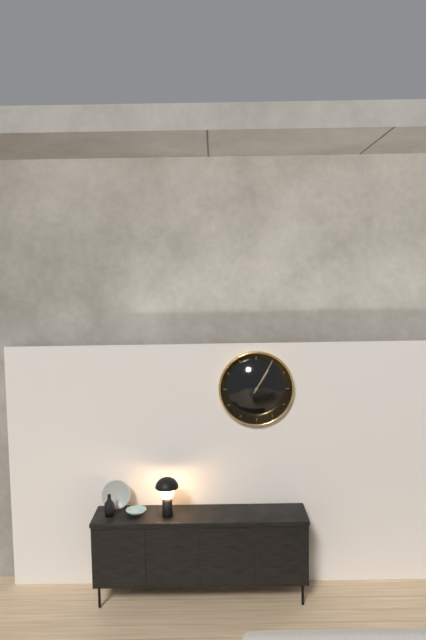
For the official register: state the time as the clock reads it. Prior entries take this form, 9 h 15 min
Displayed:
1 h 05 min
